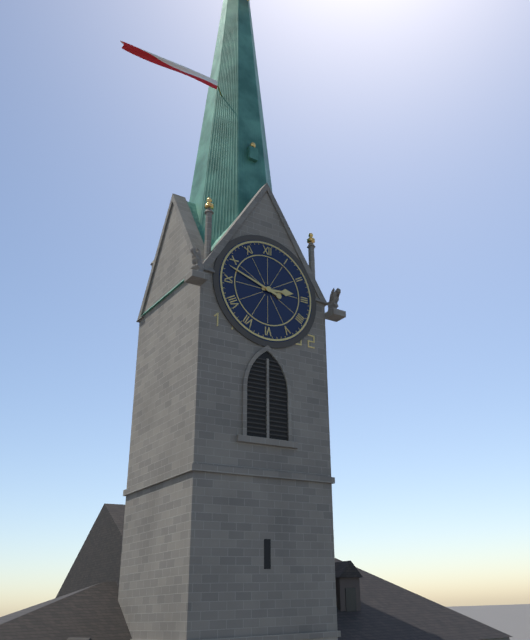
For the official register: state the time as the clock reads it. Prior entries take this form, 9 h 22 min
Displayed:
2 h 48 min
